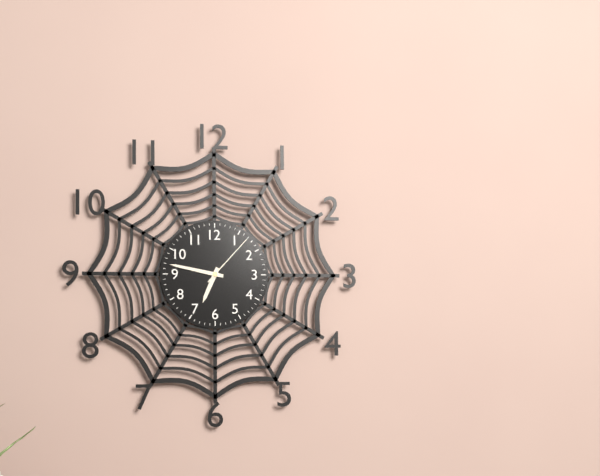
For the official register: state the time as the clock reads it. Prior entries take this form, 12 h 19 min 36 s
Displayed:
6 h 47 min 07 s
